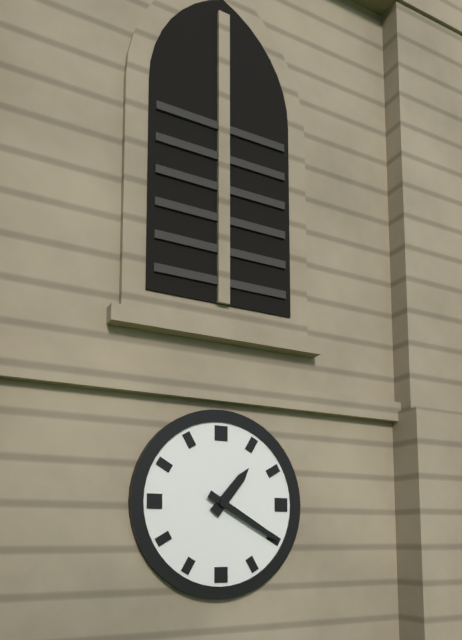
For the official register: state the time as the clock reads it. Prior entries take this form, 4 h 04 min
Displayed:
1 h 20 min
